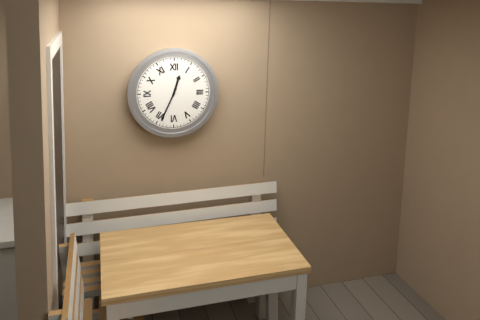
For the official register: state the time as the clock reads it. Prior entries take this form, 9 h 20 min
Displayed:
12 h 34 min
